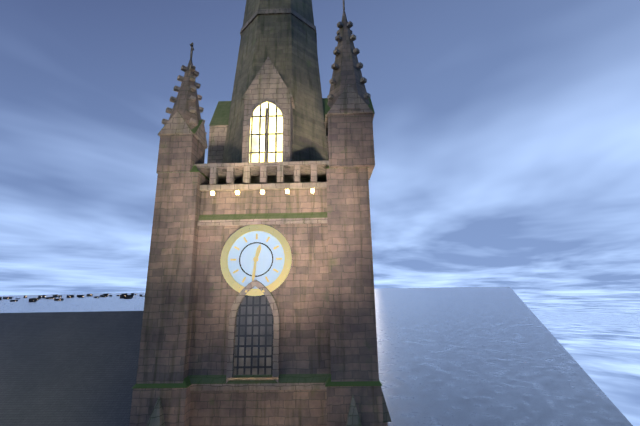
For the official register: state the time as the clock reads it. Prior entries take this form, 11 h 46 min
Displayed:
12 h 31 min
